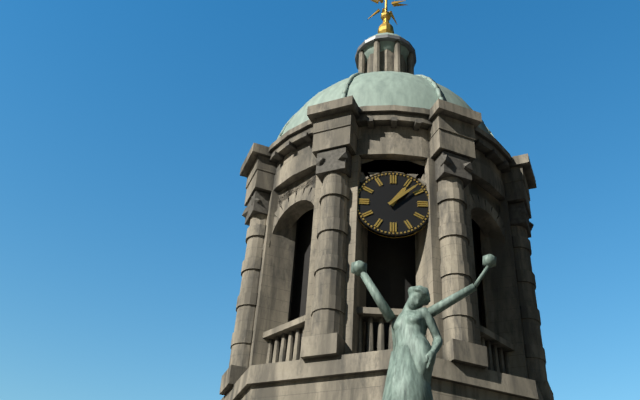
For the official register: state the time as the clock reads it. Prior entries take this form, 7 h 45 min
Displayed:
1 h 08 min
